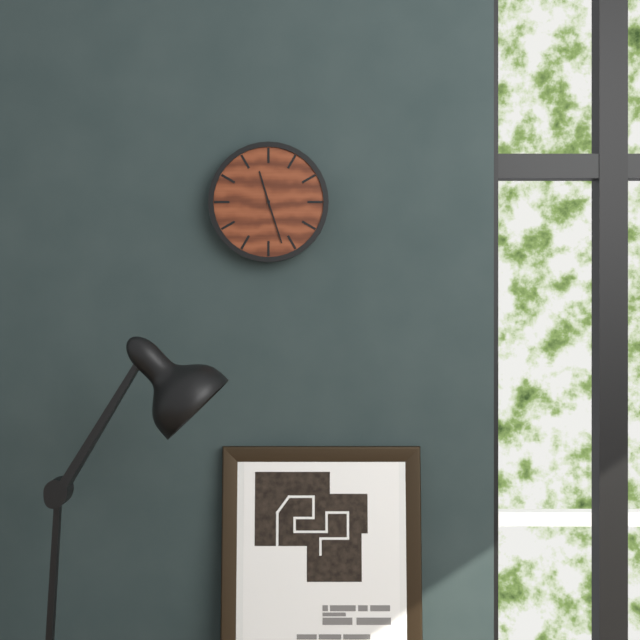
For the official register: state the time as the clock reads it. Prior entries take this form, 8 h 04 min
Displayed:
11 h 27 min
